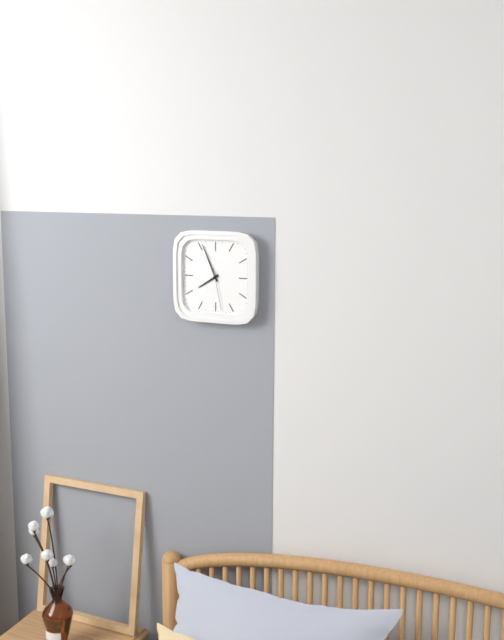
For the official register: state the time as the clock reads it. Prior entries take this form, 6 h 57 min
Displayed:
7 h 56 min
